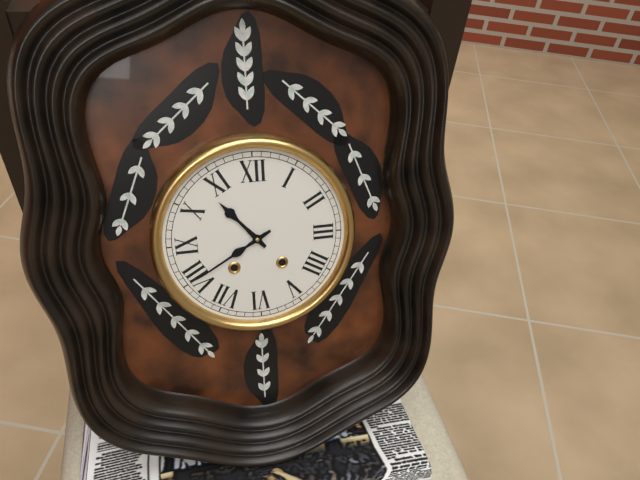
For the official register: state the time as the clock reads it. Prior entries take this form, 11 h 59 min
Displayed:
10 h 40 min
